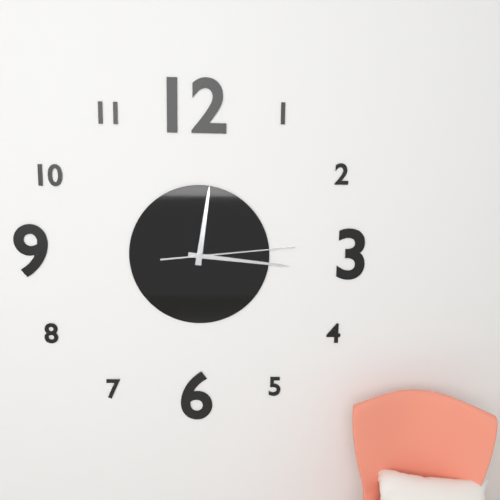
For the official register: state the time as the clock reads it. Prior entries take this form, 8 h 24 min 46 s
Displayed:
12 h 16 min 14 s
